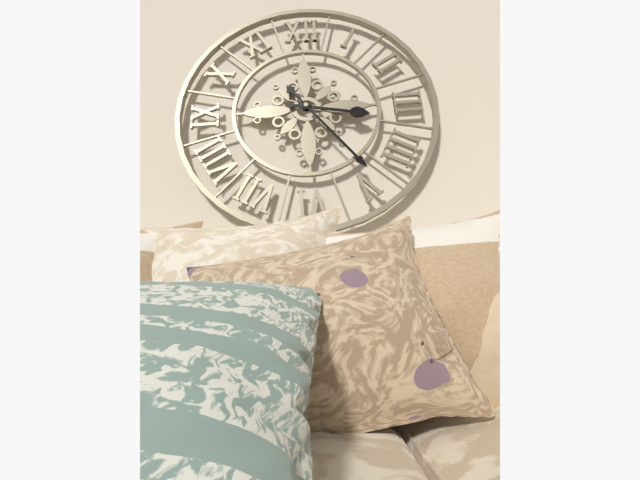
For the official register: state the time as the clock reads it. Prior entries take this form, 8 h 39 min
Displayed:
3 h 24 min
